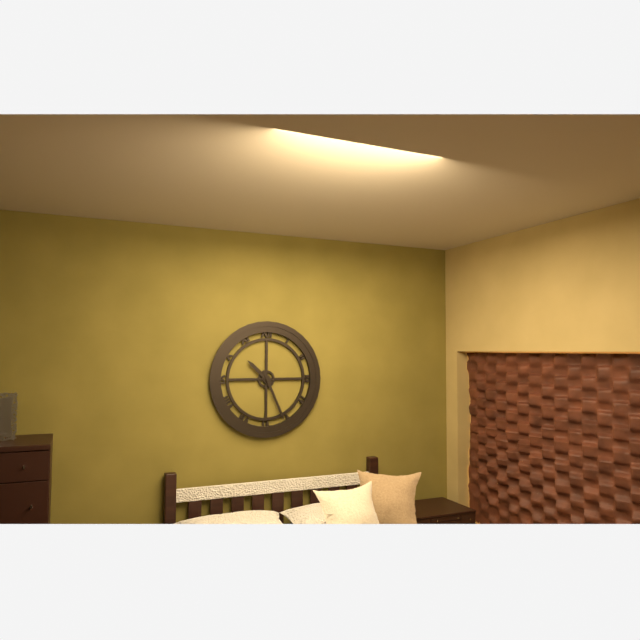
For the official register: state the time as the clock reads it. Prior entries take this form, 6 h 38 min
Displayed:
10 h 26 min
